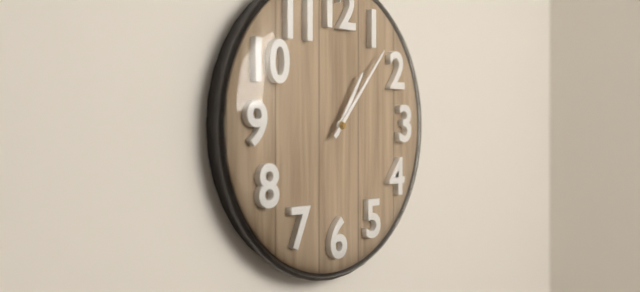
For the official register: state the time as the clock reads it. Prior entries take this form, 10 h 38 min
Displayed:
1 h 07 min
